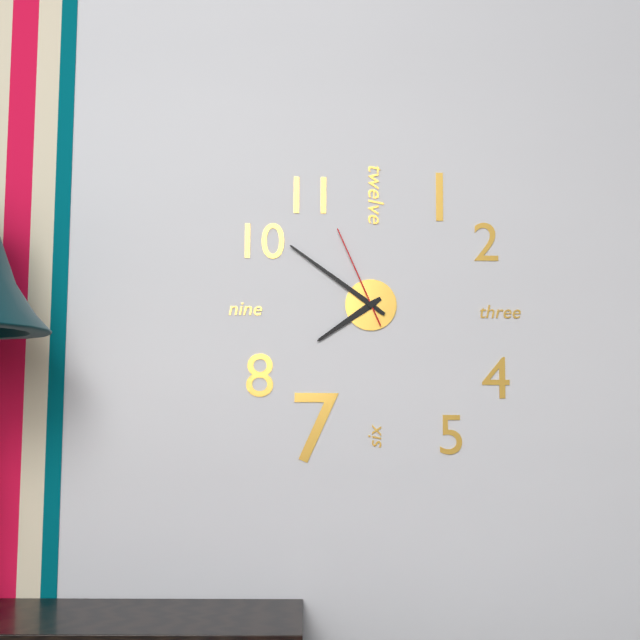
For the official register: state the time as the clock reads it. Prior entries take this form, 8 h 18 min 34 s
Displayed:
7 h 51 min 56 s
